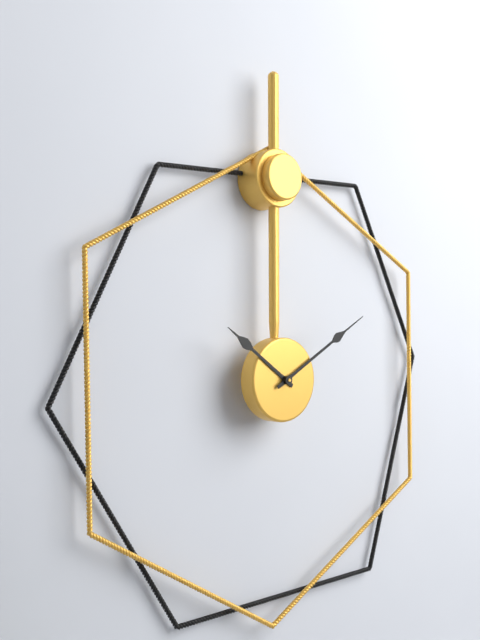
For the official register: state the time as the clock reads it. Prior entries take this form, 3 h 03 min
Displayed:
10 h 10 min
